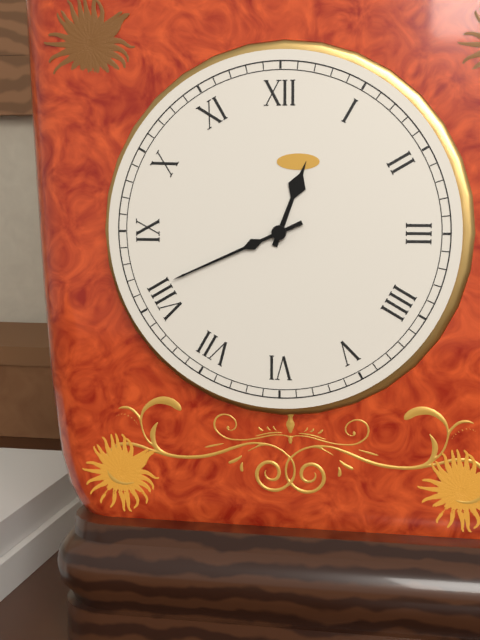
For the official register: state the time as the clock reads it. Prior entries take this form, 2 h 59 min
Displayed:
12 h 41 min
